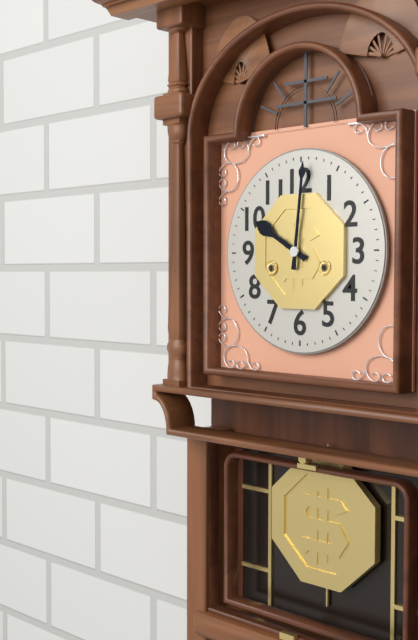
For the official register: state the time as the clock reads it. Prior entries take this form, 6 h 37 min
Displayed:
10 h 01 min
